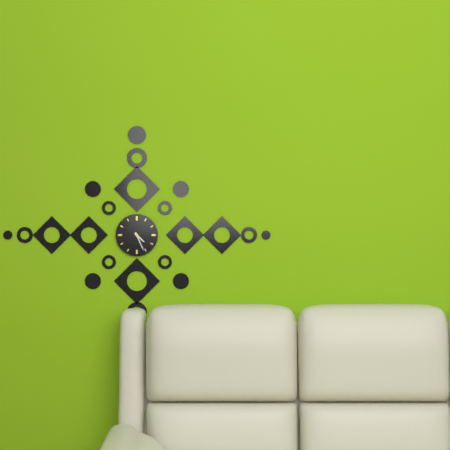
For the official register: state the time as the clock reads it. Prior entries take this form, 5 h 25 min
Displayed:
4 h 26 min
